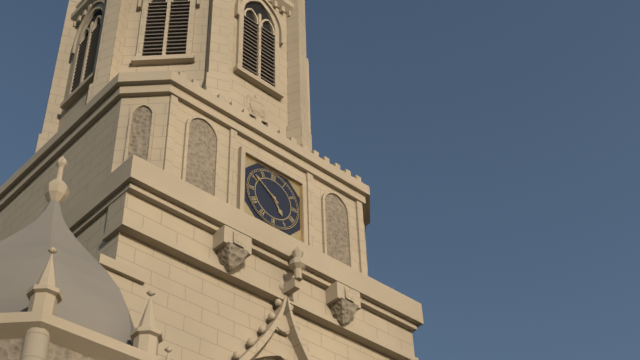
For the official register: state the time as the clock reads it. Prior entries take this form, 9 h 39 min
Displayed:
4 h 51 min
